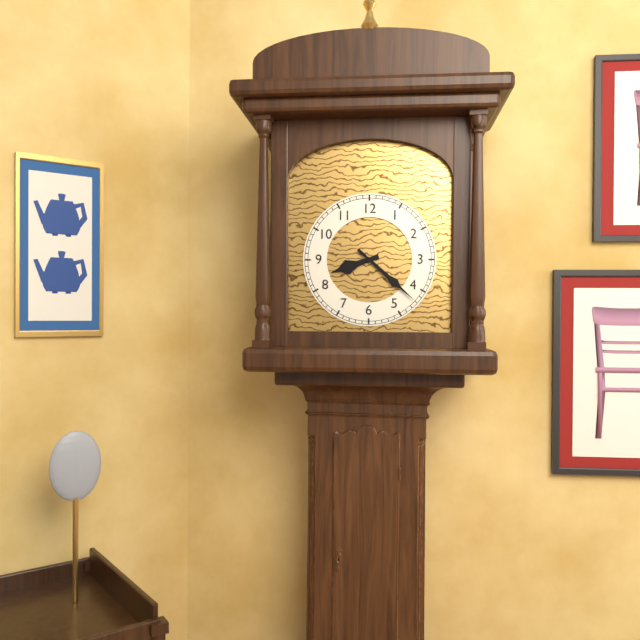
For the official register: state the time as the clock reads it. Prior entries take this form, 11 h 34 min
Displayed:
8 h 22 min
